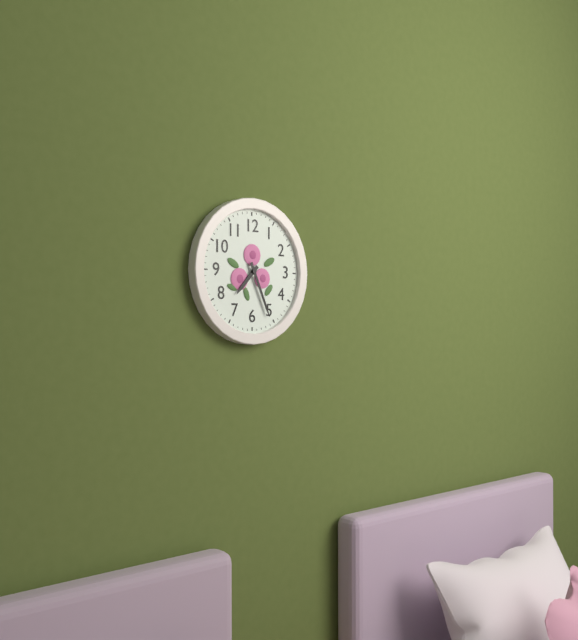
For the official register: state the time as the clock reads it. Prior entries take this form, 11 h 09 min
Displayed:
7 h 26 min
